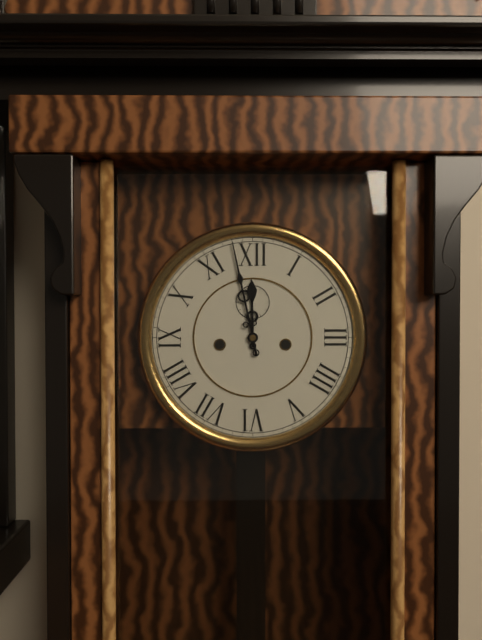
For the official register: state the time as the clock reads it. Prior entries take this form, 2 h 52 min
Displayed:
11 h 58 min
